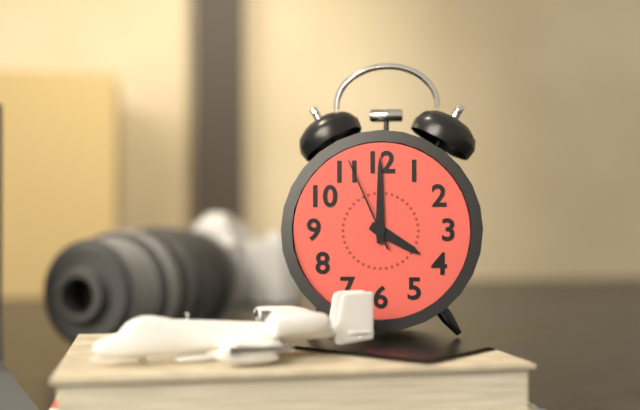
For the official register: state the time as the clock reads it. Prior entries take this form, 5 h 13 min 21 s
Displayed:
4 h 00 min 56 s
